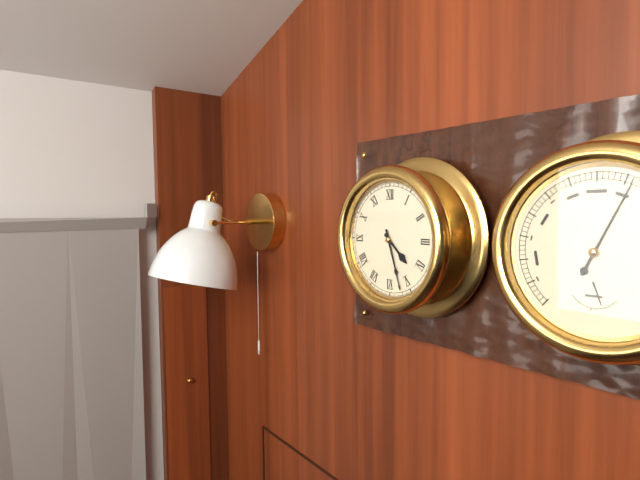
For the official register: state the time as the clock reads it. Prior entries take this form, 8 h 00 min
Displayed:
4 h 27 min
